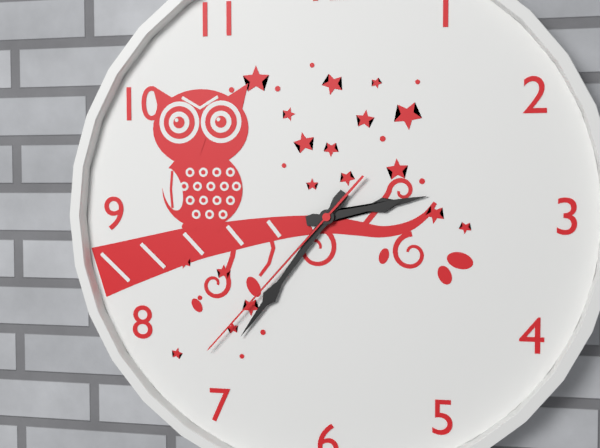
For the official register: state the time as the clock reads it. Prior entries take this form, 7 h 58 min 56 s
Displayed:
2 h 36 min 37 s
